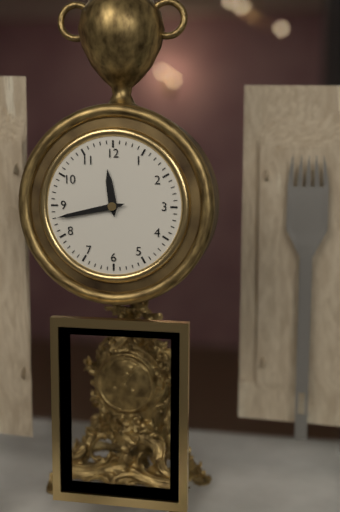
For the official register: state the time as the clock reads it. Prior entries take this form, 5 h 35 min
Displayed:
11 h 43 min
